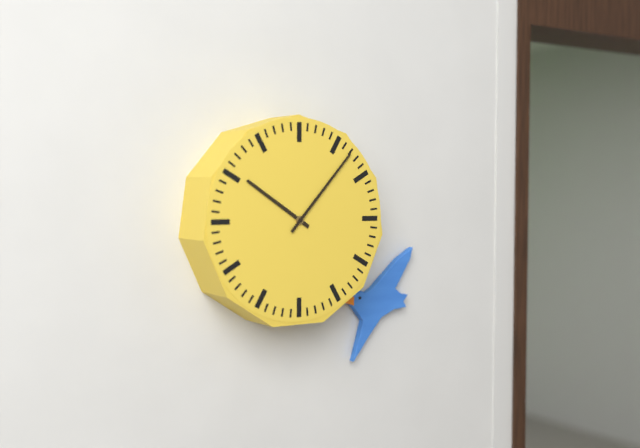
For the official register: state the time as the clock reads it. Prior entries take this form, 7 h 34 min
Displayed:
10 h 07 min
